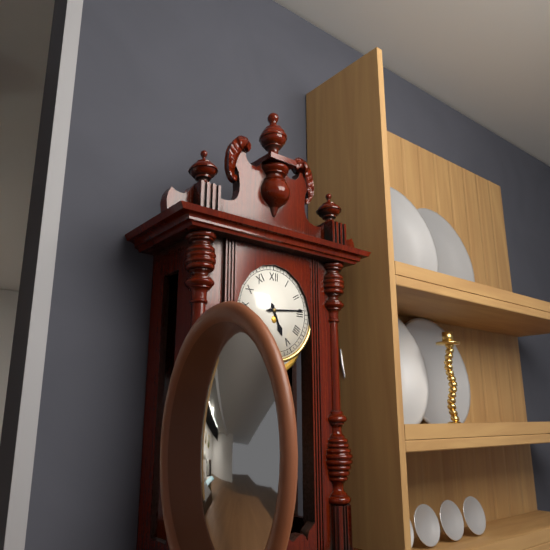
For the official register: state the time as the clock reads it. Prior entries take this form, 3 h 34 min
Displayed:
5 h 14 min
